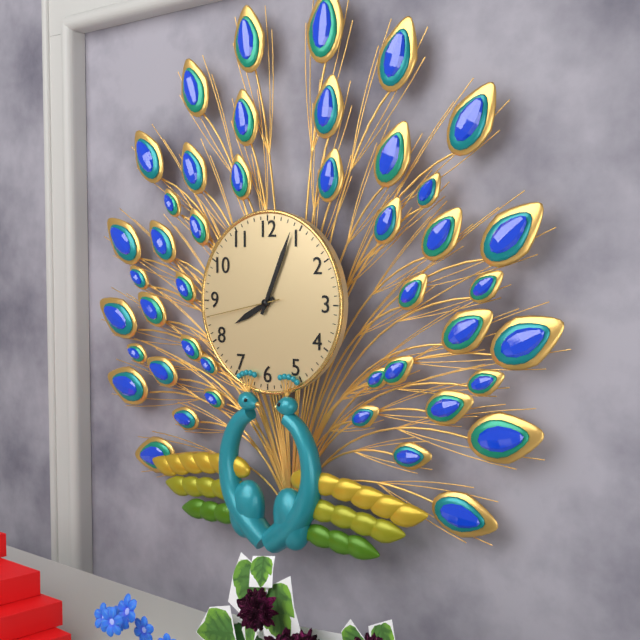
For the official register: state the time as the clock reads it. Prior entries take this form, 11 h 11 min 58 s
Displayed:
8 h 04 min 43 s
